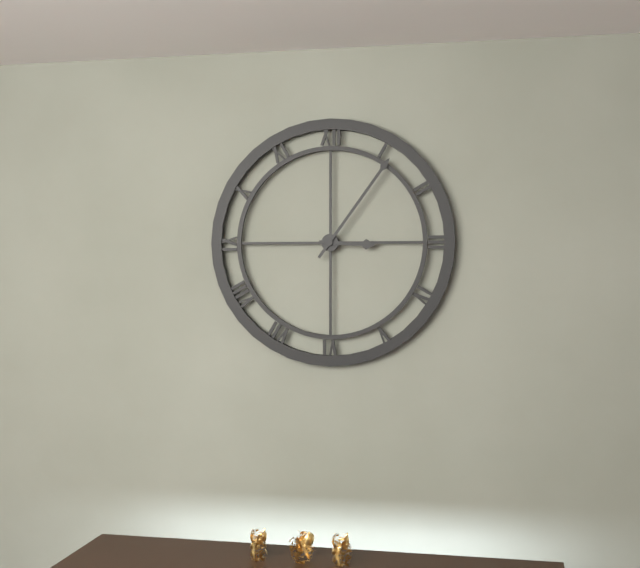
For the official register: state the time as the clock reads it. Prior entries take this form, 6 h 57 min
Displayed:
3 h 06 min
